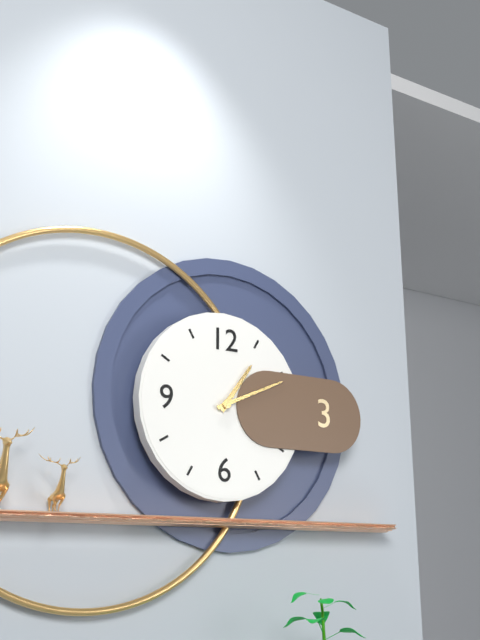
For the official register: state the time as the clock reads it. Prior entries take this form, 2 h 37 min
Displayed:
1 h 11 min
